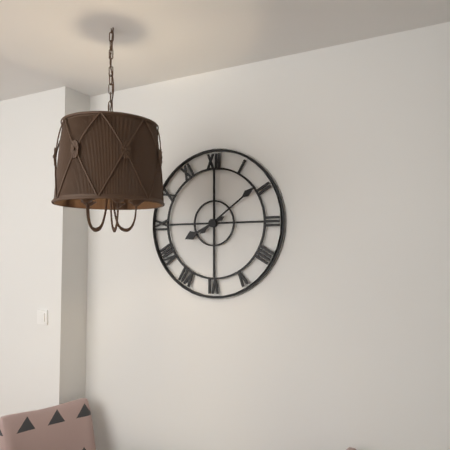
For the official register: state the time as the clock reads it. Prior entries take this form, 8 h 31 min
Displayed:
8 h 09 min
